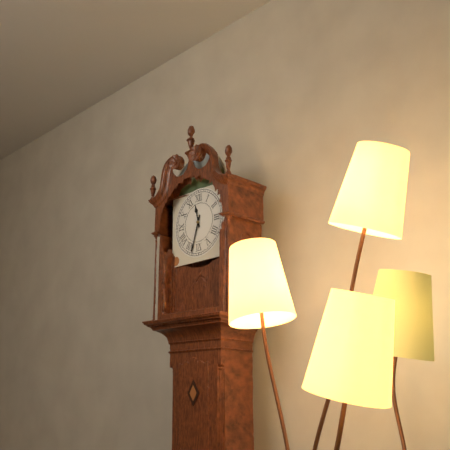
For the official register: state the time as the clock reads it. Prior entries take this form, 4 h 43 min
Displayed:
11 h 33 min
